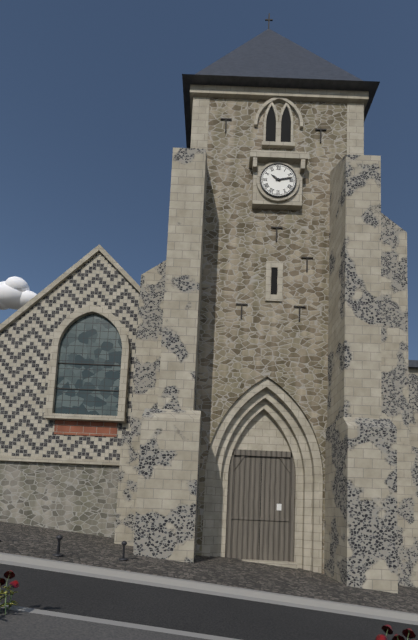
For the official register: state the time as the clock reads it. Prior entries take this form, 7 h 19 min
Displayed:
10 h 13 min
